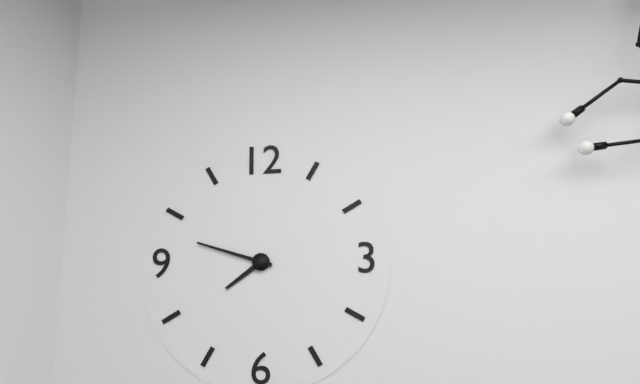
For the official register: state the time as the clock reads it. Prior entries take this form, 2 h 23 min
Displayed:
7 h 48 min
